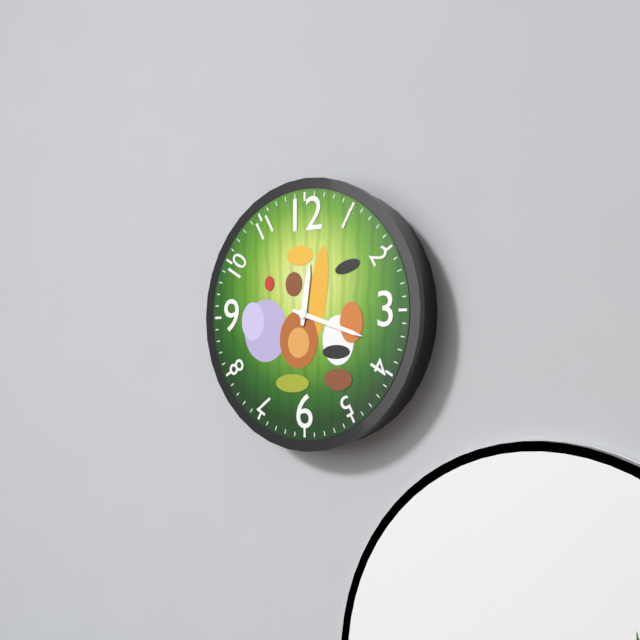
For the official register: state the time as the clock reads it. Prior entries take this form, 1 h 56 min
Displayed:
12 h 18 min
